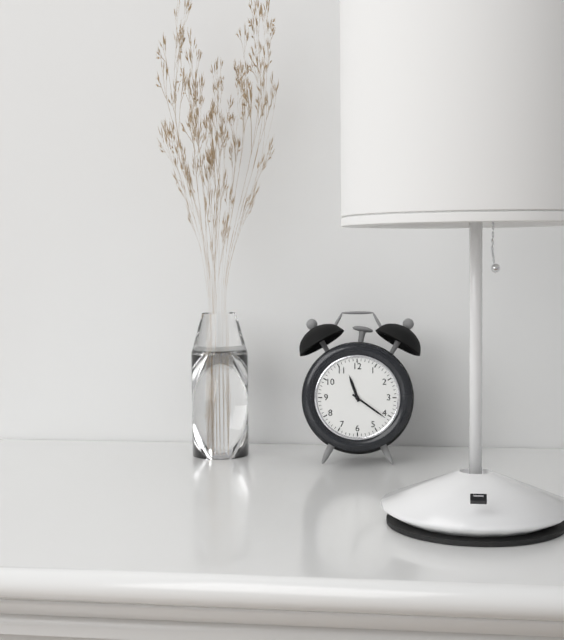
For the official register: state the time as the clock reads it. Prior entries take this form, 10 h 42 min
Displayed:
11 h 21 min
